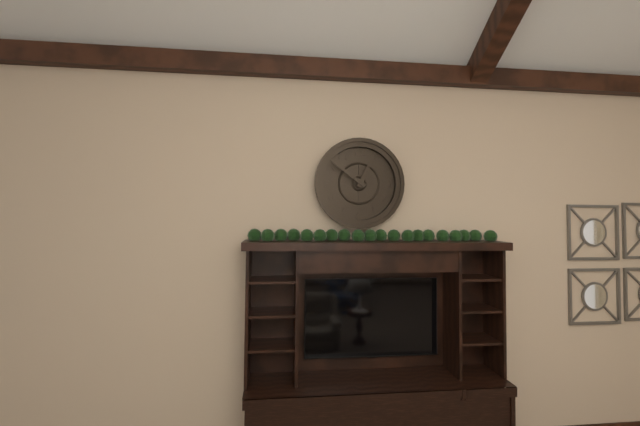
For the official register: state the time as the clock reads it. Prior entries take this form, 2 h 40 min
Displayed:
12 h 51 min
